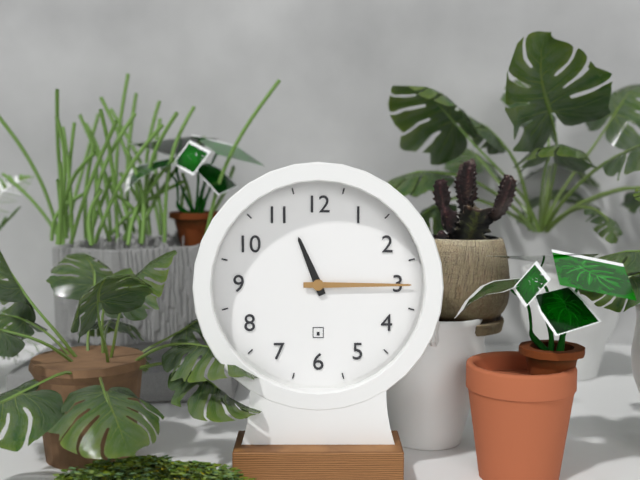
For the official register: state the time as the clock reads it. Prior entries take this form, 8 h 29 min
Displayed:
11 h 15 min
